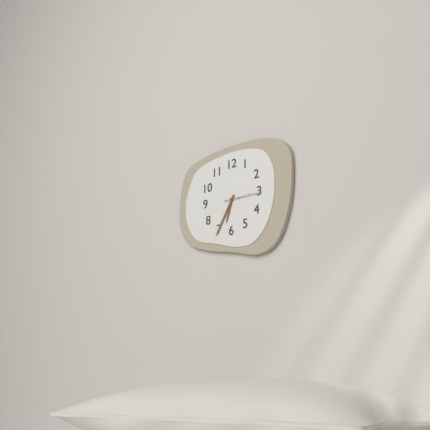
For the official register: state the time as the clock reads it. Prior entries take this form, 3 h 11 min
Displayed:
6 h 35 min
